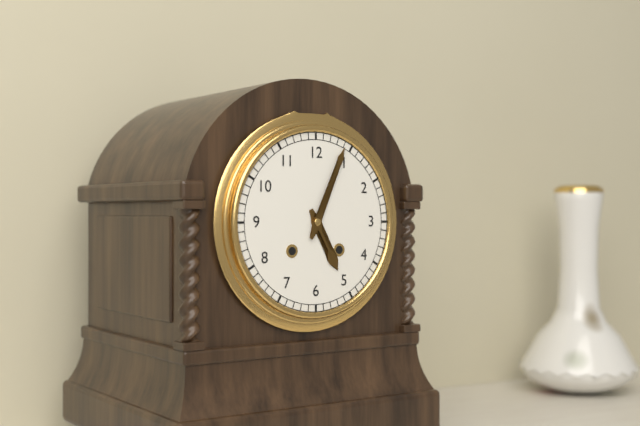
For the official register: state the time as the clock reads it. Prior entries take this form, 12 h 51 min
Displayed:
5 h 04 min
